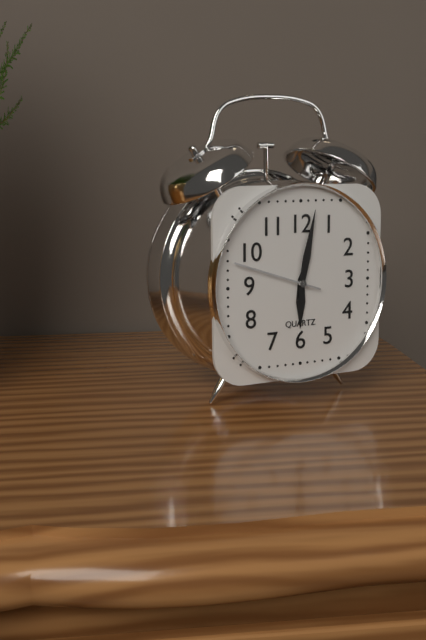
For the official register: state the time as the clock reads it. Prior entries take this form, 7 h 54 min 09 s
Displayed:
6 h 02 min 48 s
